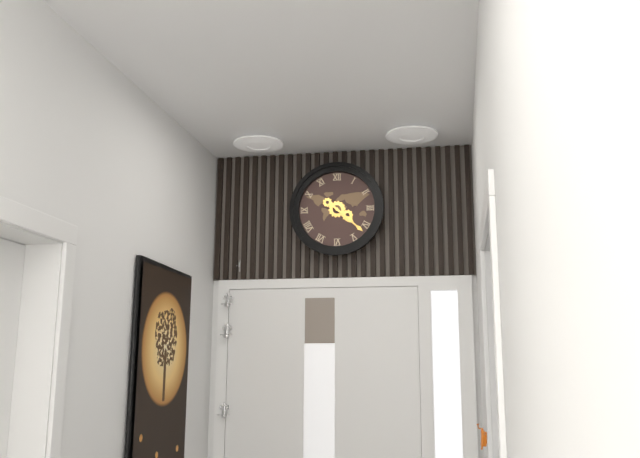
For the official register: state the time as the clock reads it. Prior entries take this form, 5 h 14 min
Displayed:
4 h 22 min
